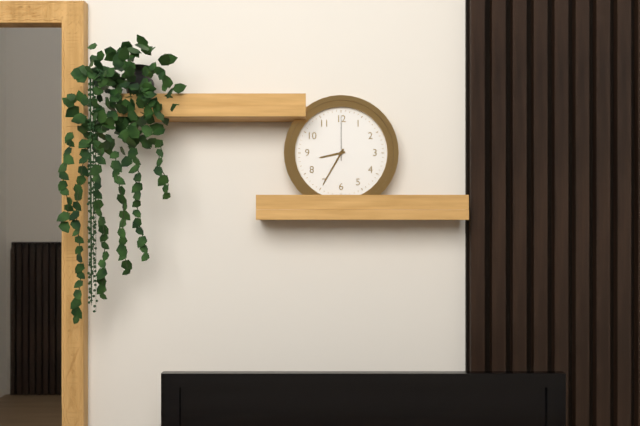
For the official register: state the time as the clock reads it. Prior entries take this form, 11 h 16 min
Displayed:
8 h 35 min
